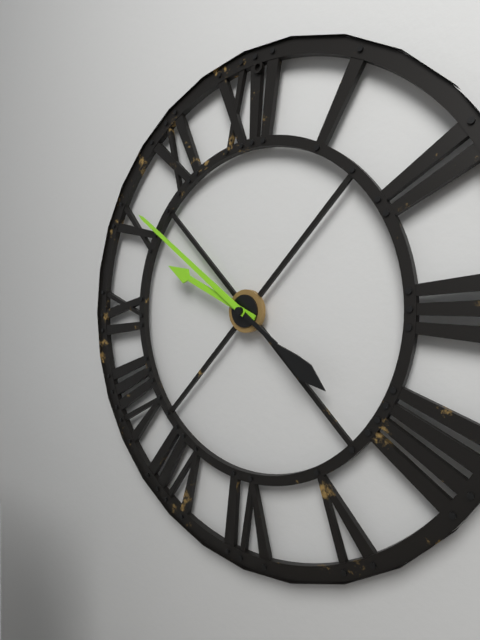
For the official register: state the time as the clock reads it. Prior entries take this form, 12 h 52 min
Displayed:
9 h 51 min
